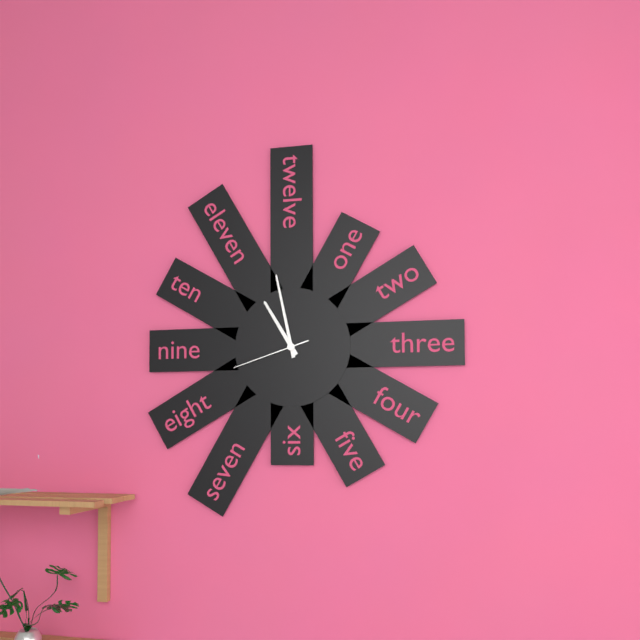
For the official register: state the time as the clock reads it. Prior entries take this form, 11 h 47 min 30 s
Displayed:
10 h 58 min 42 s
